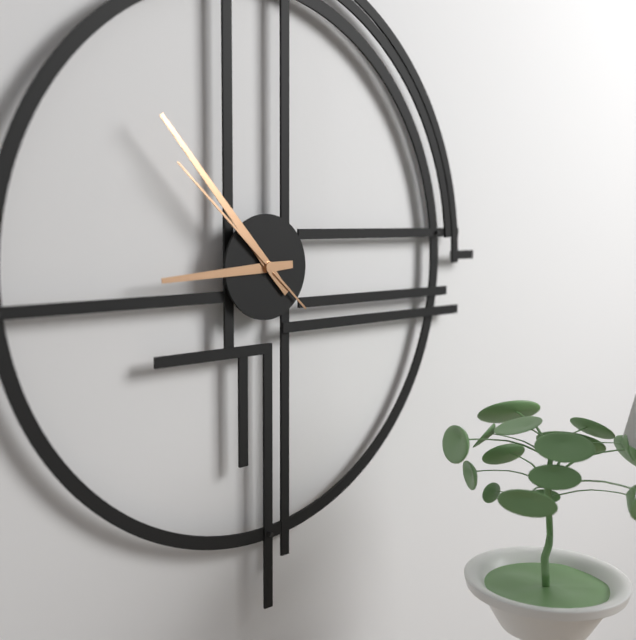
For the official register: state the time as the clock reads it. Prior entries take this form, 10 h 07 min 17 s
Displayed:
8 h 53 min 52 s
